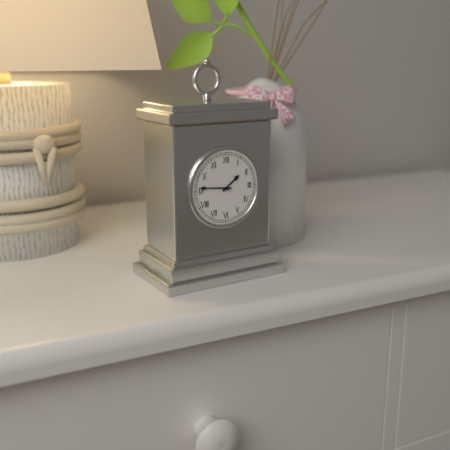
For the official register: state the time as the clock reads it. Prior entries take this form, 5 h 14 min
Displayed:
1 h 46 min
